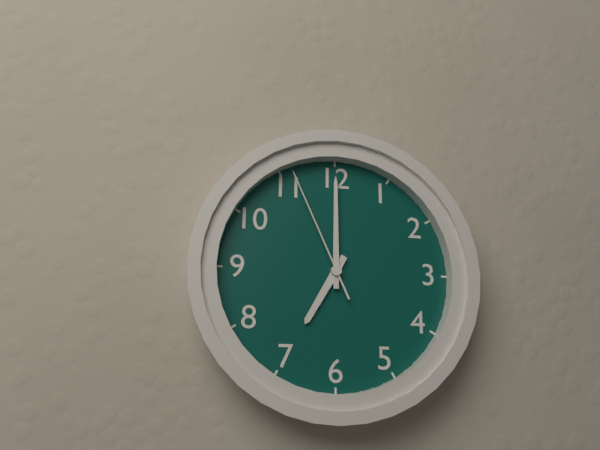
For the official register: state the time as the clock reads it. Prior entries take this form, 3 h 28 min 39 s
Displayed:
7 h 00 min 56 s
